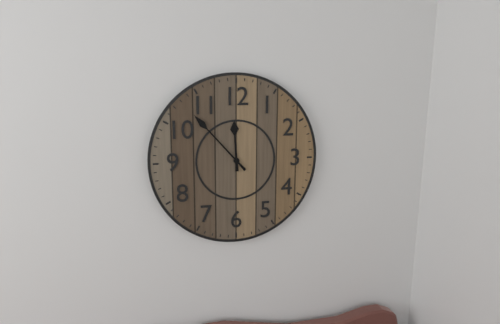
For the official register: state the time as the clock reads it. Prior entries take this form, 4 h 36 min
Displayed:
11 h 53 min
